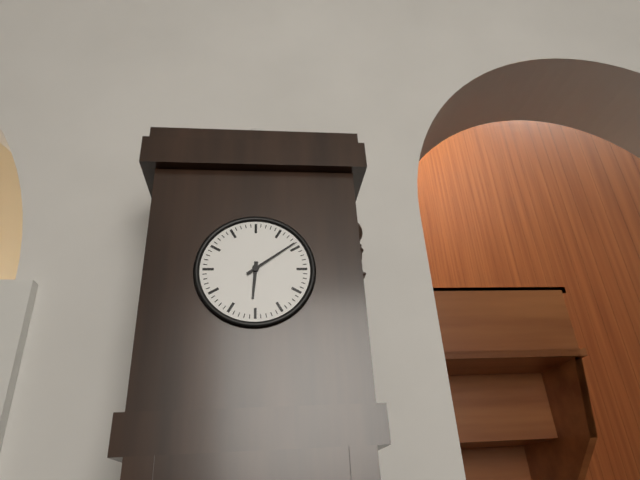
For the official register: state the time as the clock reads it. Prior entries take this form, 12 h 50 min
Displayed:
6 h 09 min
